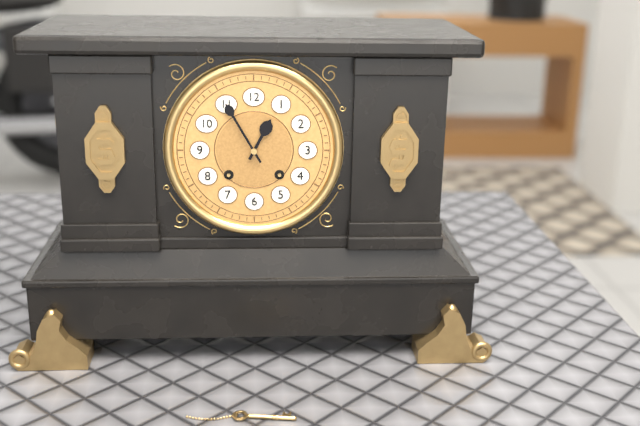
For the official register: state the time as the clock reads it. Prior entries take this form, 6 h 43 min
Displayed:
12 h 55 min
